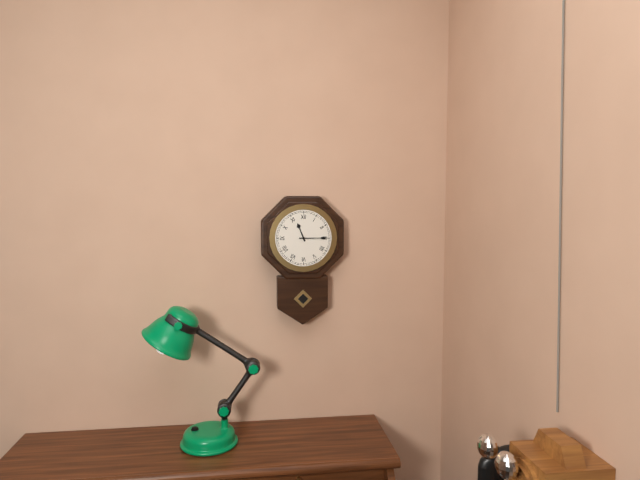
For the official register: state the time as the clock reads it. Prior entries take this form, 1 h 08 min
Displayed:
11 h 15 min
